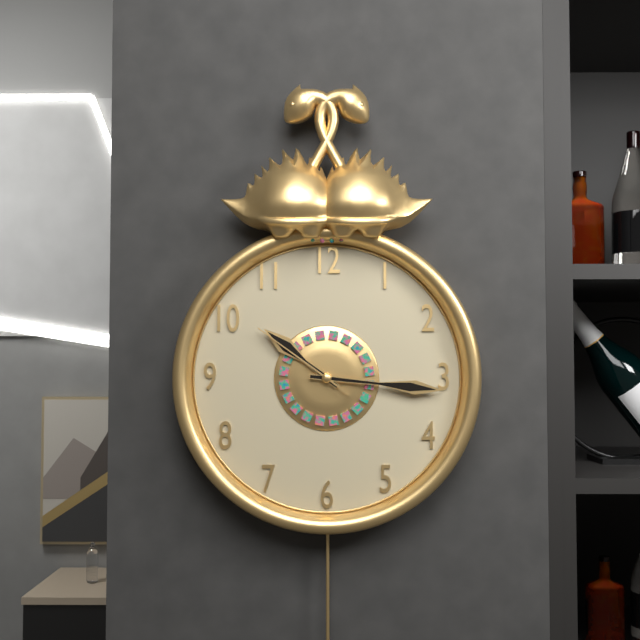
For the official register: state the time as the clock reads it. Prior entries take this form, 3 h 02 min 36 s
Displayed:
10 h 16 min 51 s
